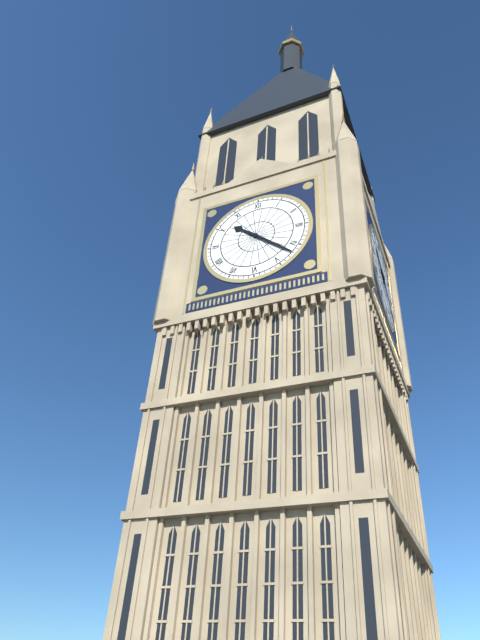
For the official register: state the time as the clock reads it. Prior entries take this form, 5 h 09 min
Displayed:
10 h 22 min
